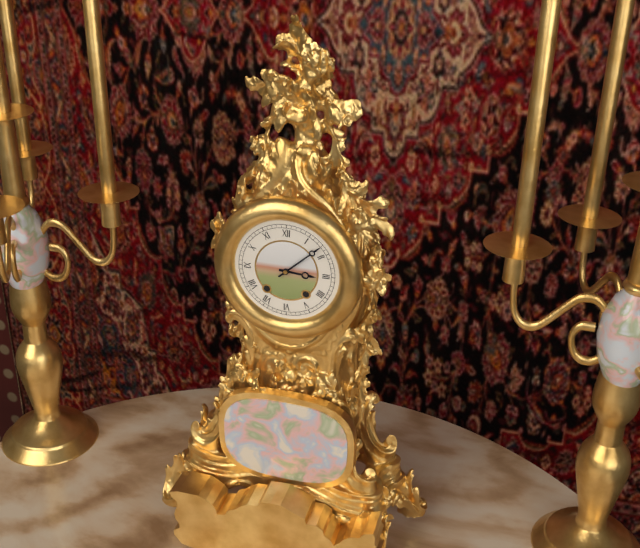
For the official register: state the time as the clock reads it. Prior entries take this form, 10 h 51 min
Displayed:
3 h 08 min
